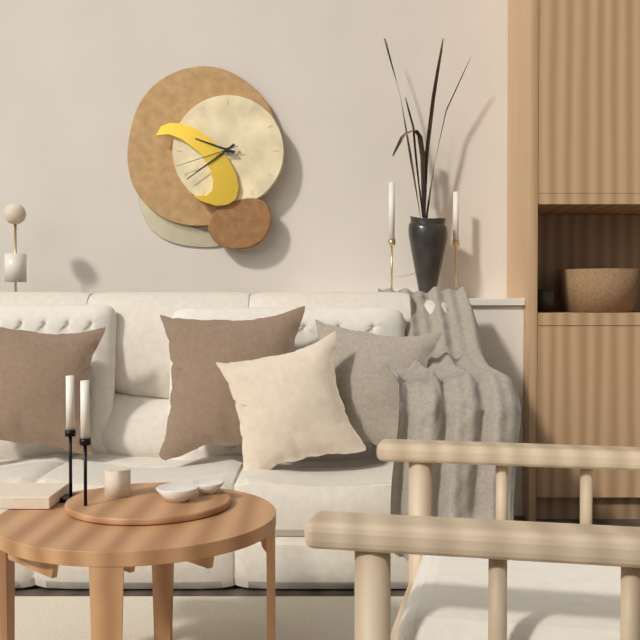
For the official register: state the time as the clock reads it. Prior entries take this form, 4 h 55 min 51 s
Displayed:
9 h 39 min 42 s
